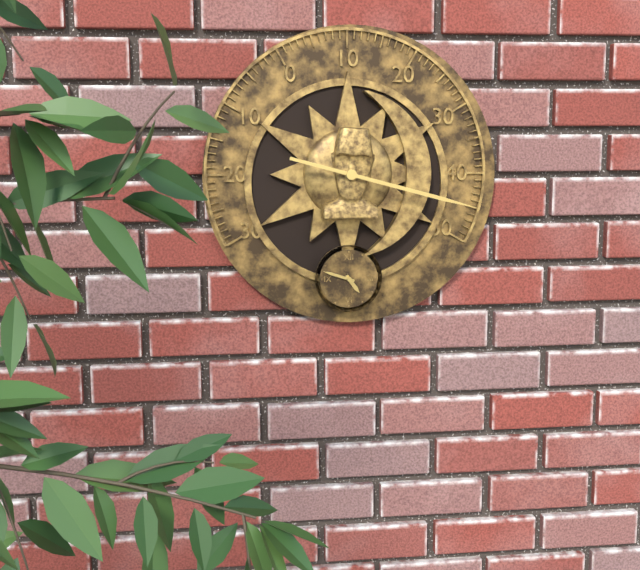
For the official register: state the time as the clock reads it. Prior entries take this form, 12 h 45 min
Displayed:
4 h 48 min
